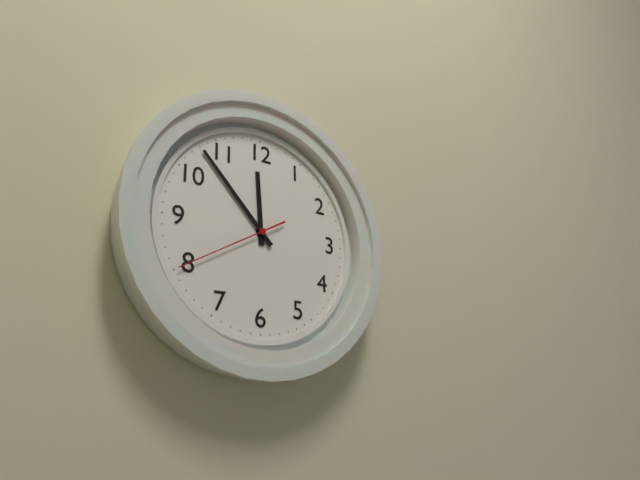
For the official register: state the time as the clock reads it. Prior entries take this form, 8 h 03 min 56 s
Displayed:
11 h 53 min 40 s
